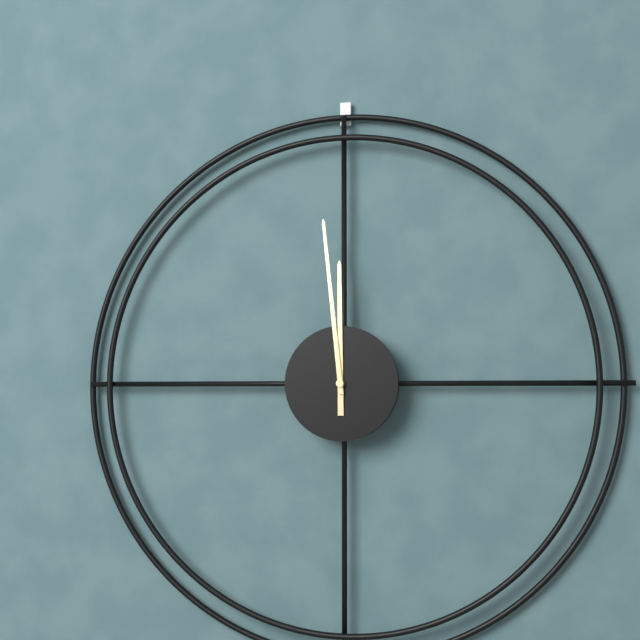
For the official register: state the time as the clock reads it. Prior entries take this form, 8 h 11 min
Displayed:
11 h 59 min
